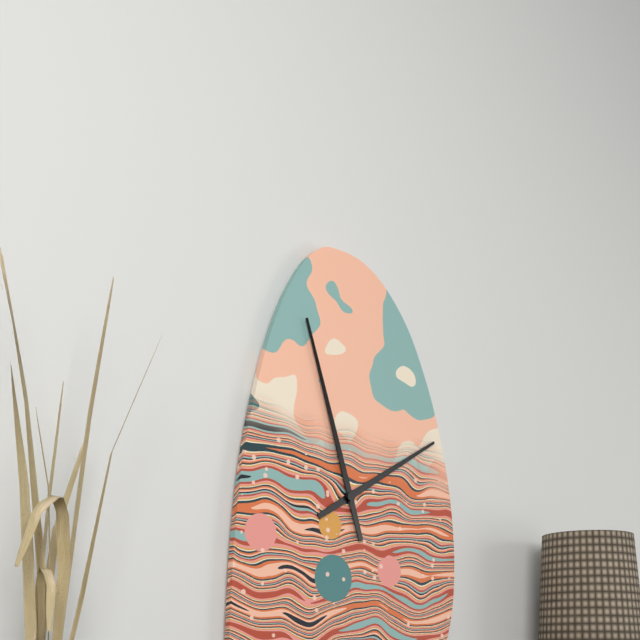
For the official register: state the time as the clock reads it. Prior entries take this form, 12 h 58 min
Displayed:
1 h 57 min
